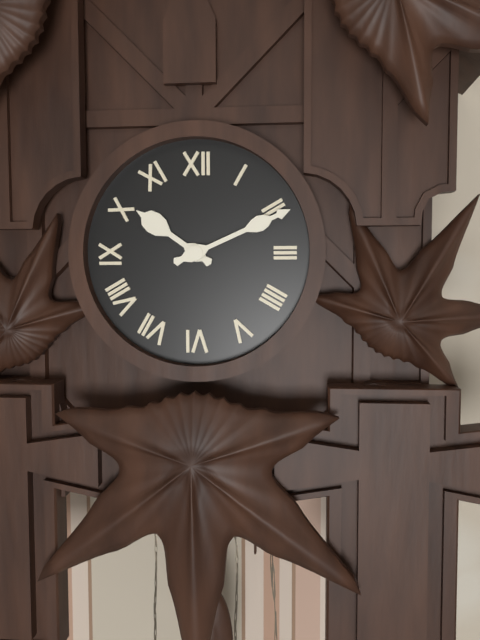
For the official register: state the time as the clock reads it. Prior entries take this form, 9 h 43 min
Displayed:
10 h 11 min
